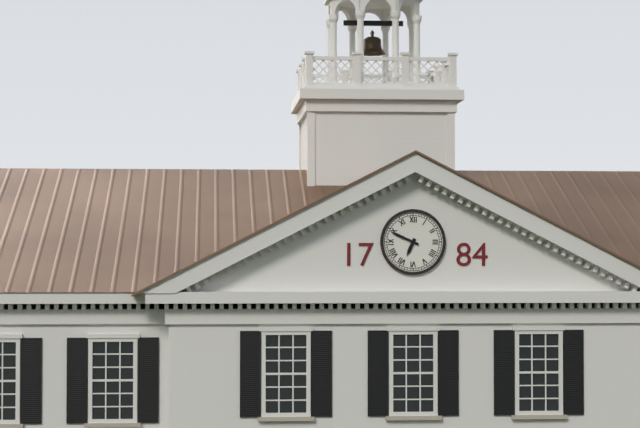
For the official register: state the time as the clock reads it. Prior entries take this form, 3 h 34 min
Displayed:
6 h 49 min
